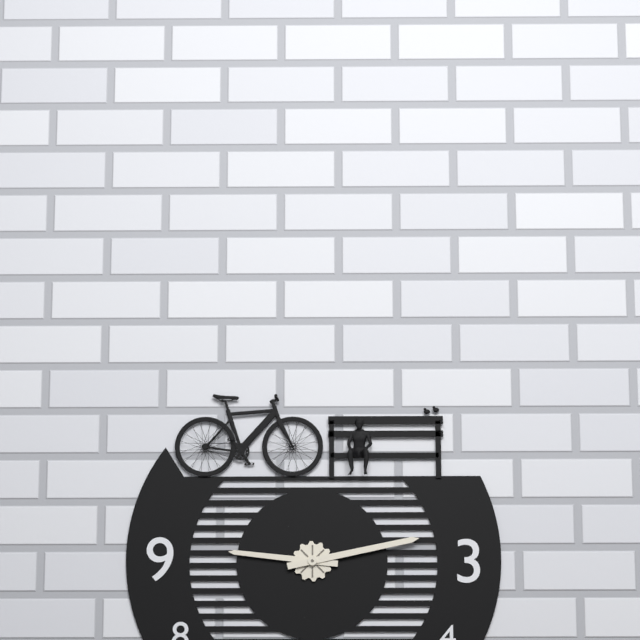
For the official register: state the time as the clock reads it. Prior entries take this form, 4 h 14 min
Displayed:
9 h 13 min
